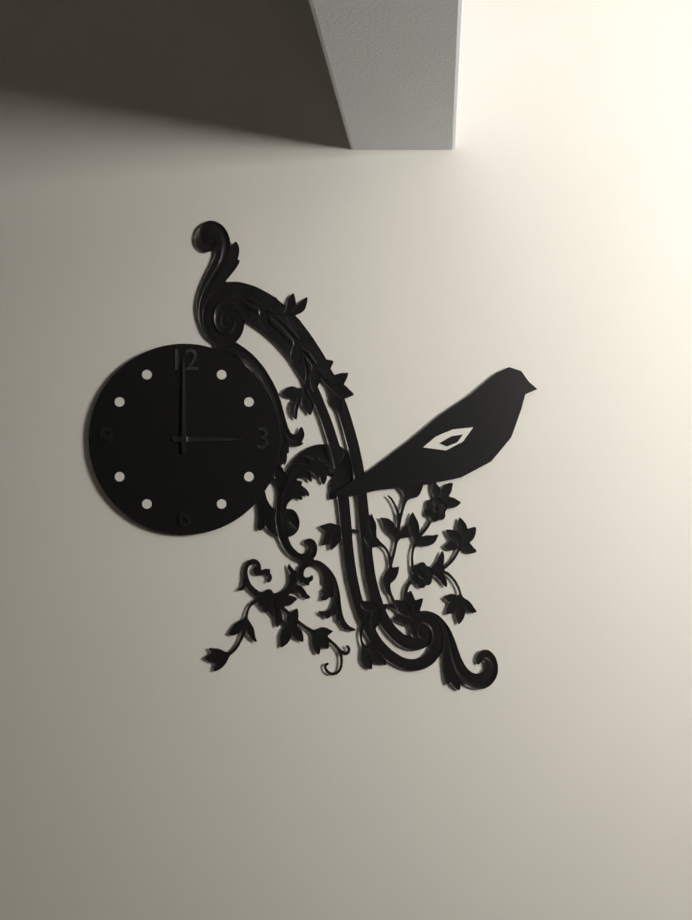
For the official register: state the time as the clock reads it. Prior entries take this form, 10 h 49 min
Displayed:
3 h 00 min
